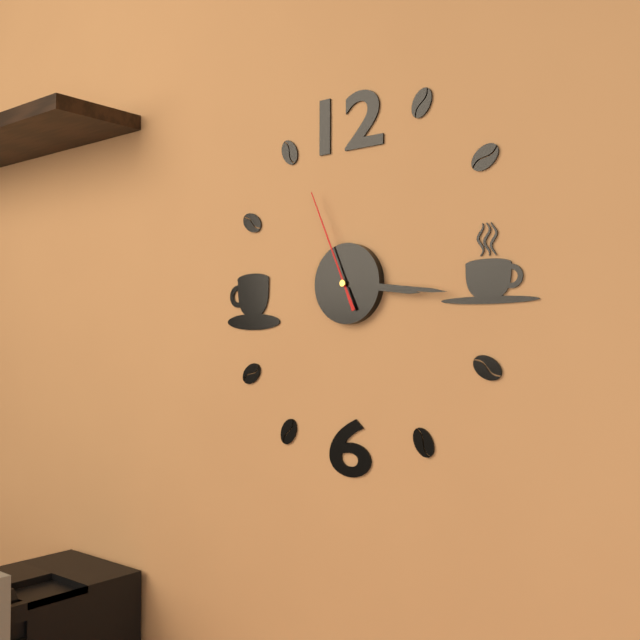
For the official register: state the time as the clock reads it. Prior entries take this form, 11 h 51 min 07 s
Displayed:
3 h 16 min 56 s
